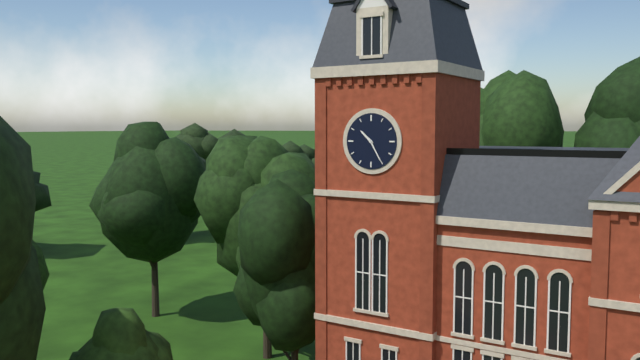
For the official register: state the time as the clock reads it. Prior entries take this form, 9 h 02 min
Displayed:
10 h 25 min
